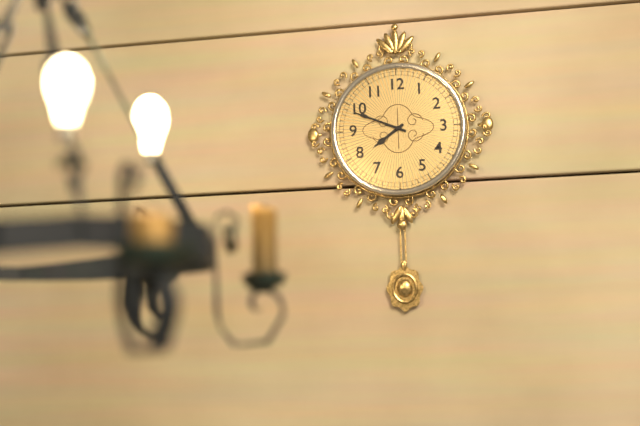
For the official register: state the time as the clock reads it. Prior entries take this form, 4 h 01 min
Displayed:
7 h 49 min
